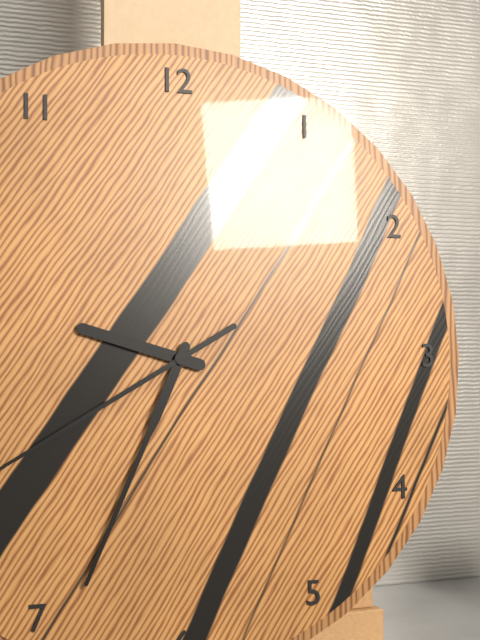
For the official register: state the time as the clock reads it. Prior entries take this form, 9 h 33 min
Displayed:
9 h 34 min
